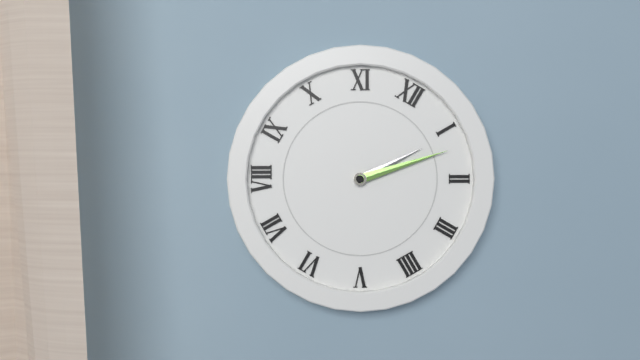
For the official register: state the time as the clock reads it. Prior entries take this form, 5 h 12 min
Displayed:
1 h 07 min
